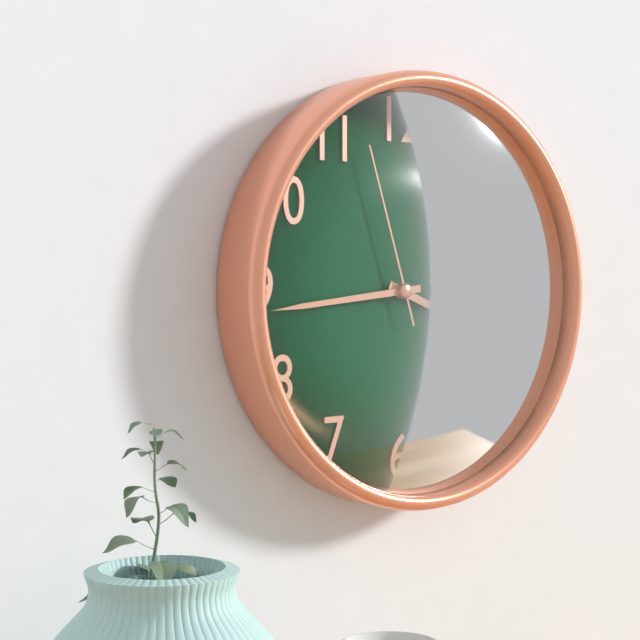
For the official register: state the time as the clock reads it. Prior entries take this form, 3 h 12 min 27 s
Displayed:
3 h 44 min 57 s
